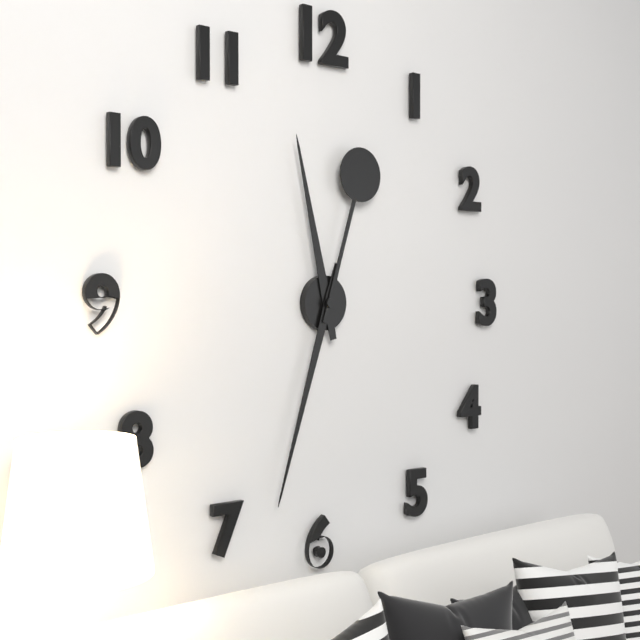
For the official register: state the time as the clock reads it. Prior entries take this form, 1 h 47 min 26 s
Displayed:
11 h 33 min 03 s
